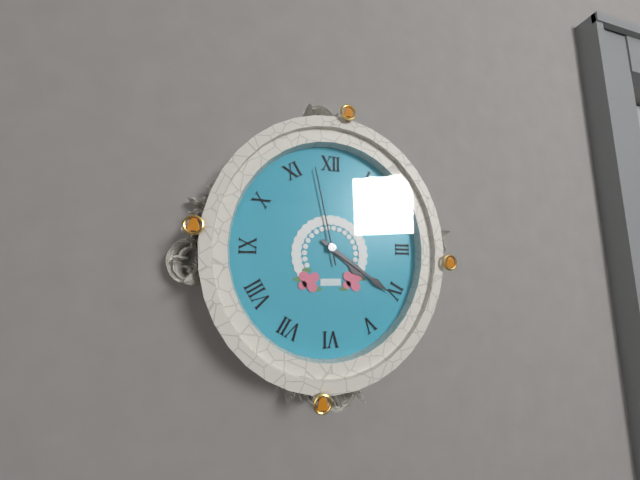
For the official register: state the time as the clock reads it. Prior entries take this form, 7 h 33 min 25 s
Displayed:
4 h 21 min 58 s
